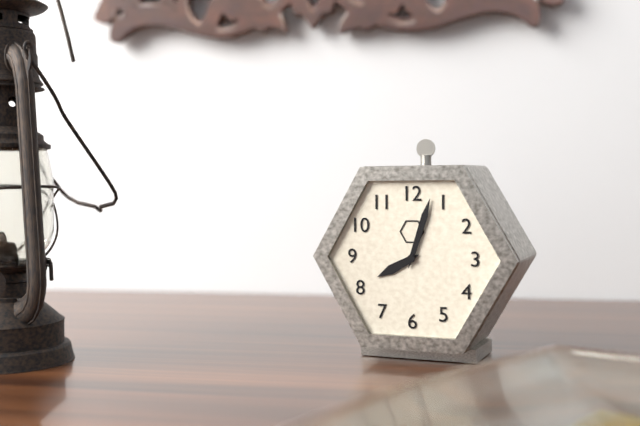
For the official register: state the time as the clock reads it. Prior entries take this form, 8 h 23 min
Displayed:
8 h 03 min
